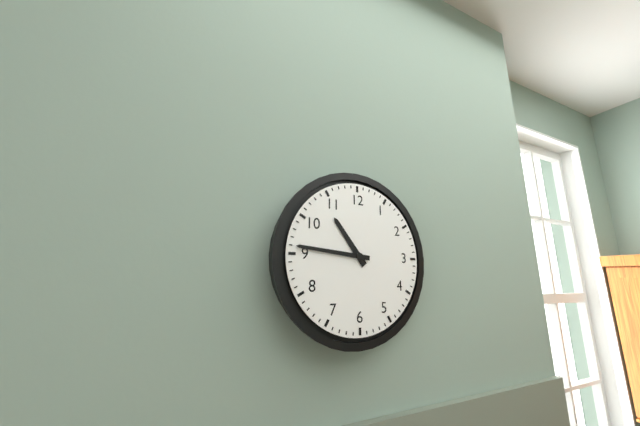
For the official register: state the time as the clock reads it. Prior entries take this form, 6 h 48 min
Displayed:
10 h 46 min
